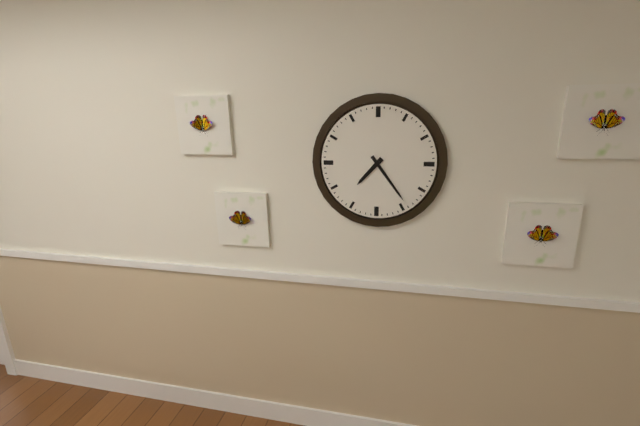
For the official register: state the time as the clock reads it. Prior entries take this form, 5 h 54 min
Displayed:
7 h 24 min
